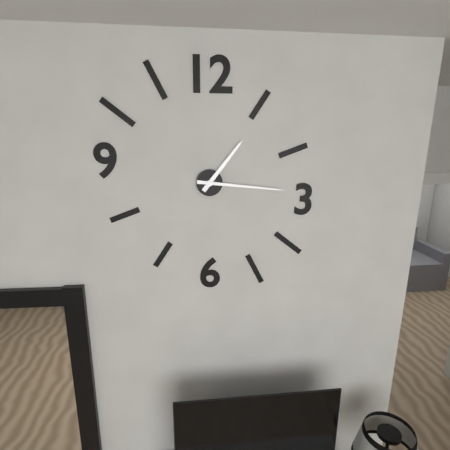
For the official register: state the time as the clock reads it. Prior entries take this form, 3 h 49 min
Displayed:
1 h 16 min
